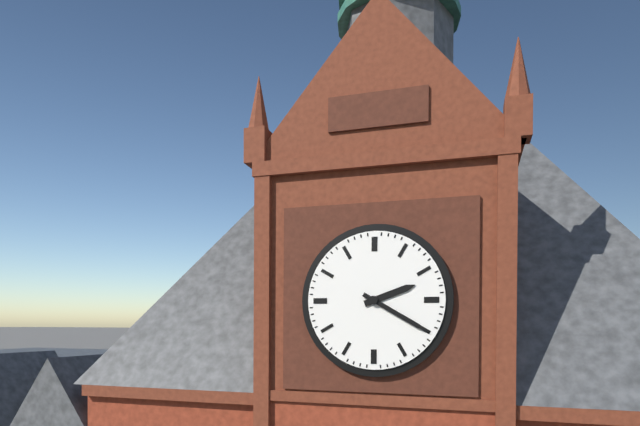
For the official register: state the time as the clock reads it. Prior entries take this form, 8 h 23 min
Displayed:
2 h 20 min
